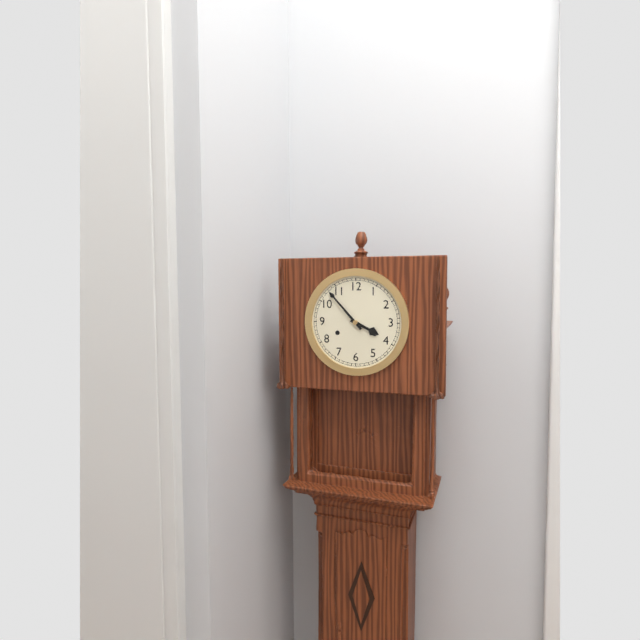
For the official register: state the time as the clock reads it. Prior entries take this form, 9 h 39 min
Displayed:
3 h 53 min
